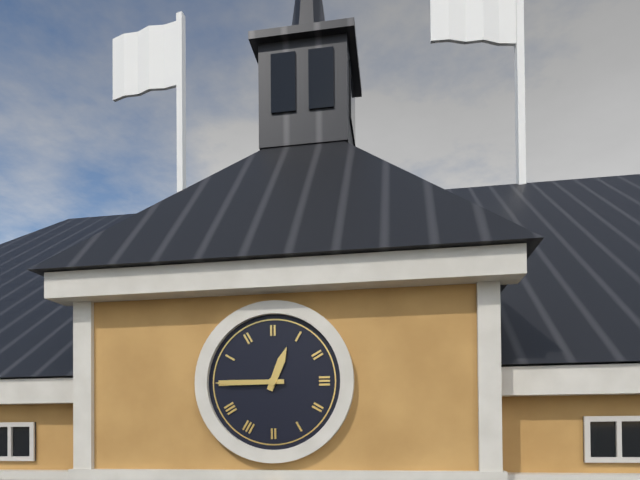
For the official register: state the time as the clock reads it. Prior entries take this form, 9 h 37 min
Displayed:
12 h 45 min
